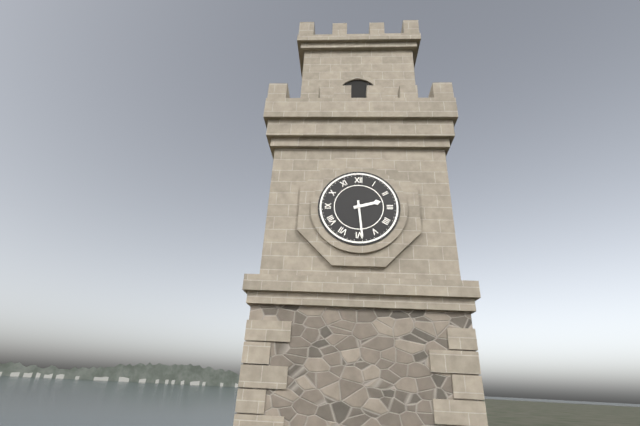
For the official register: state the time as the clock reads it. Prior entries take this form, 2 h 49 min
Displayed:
2 h 29 min
